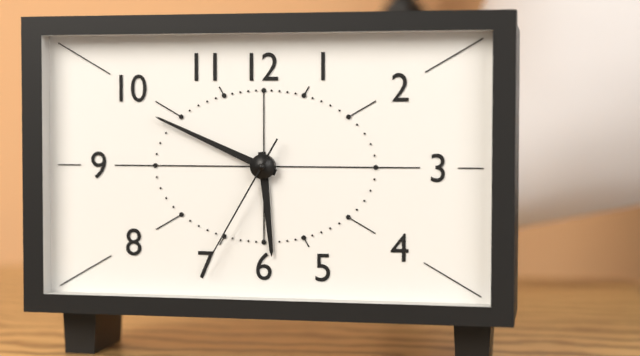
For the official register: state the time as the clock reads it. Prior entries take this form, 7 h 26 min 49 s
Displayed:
5 h 49 min 35 s
